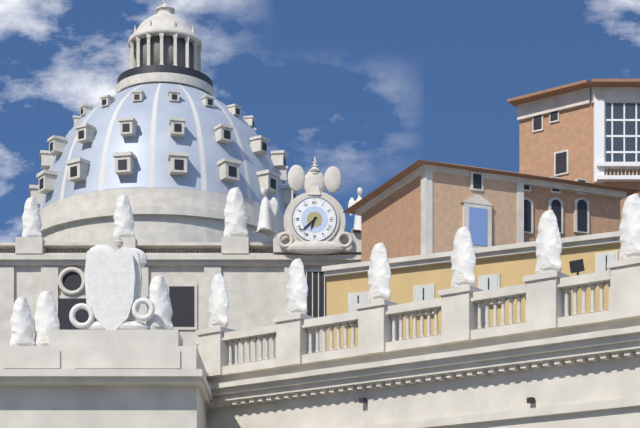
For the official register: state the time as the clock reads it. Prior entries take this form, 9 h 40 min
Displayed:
6 h 38 min
